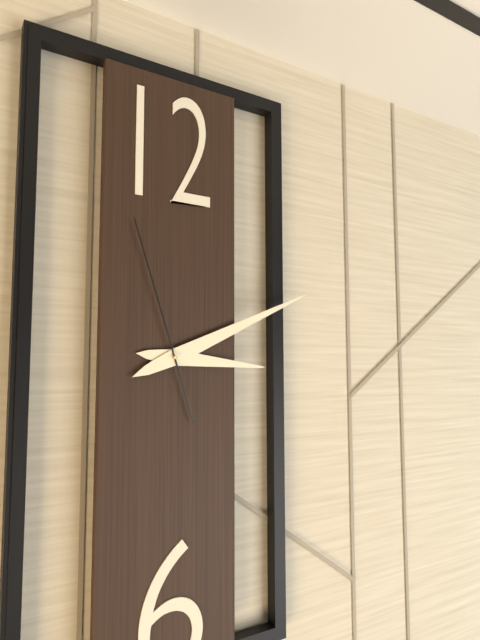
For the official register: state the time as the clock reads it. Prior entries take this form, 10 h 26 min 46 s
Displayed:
3 h 11 min 57 s
